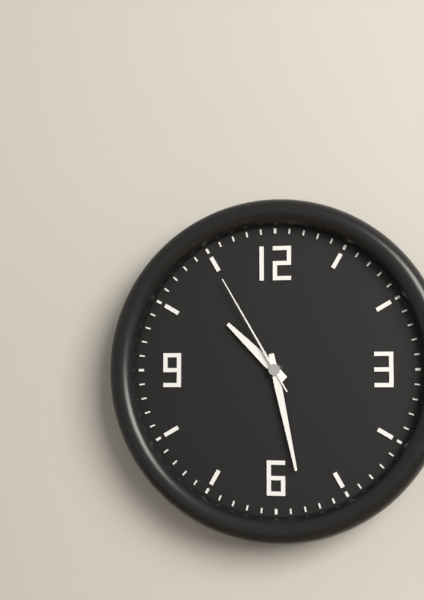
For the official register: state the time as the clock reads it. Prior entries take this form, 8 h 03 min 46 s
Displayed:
10 h 28 min 55 s
